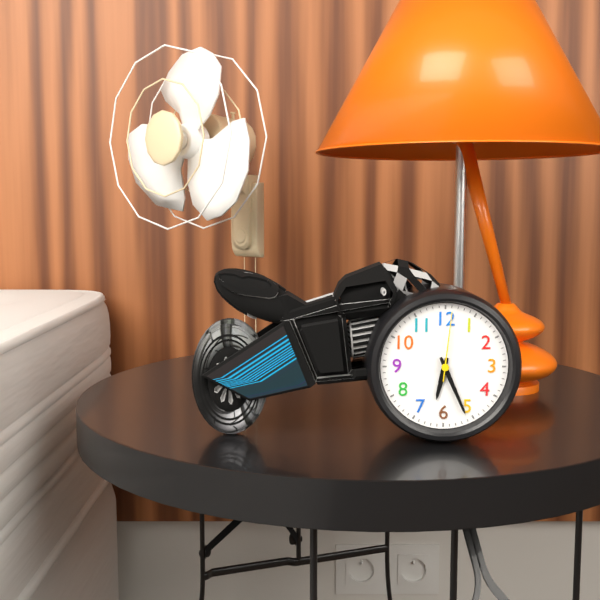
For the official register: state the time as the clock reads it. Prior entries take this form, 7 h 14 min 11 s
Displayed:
6 h 26 min 01 s
